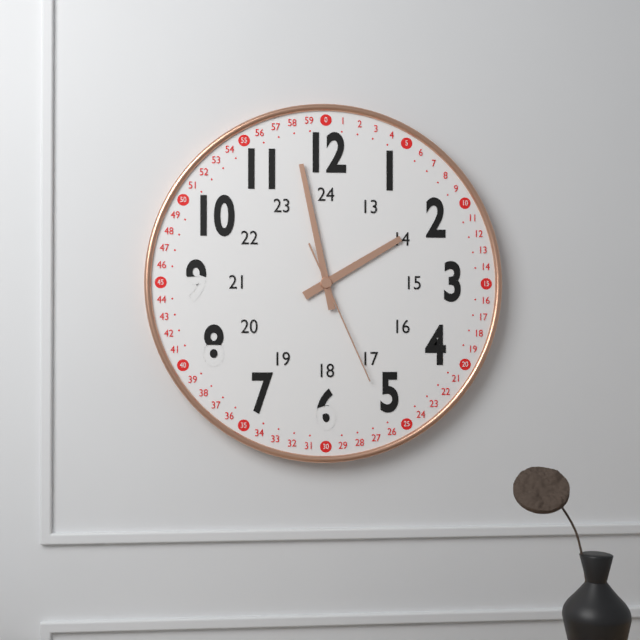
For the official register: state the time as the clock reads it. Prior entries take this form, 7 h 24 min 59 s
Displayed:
1 h 58 min 26 s
